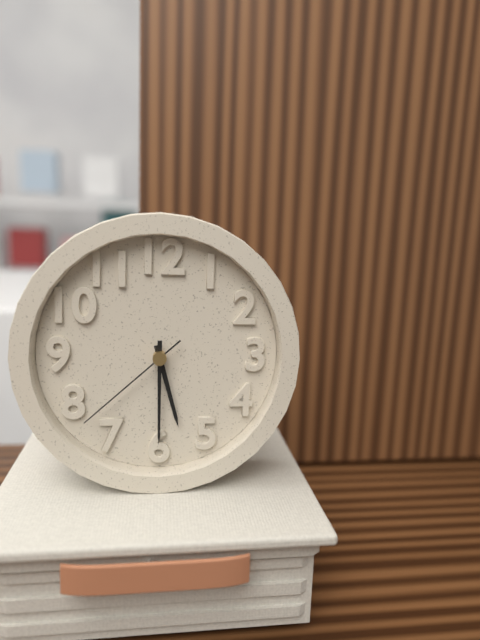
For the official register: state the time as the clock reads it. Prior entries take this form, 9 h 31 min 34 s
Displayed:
5 h 30 min 38 s
